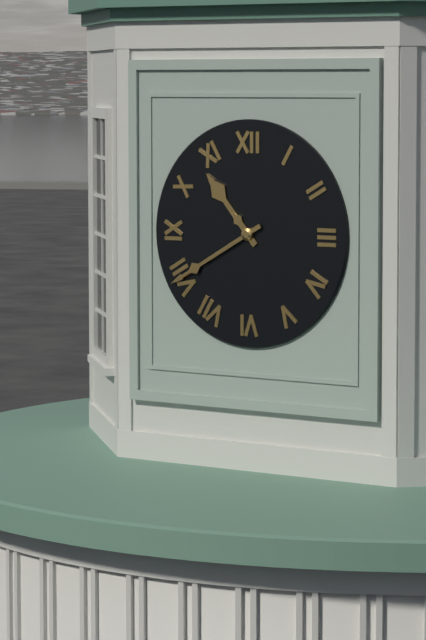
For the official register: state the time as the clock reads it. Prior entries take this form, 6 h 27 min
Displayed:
10 h 40 min
